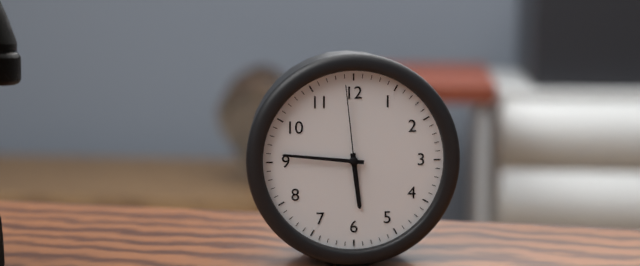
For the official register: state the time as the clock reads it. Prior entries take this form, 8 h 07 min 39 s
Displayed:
5 h 46 min 59 s
